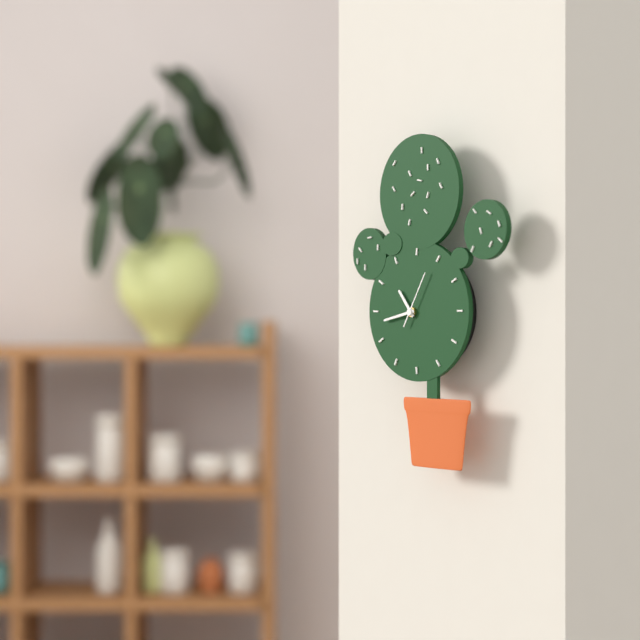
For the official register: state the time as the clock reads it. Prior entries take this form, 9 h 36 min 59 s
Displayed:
10 h 43 min 05 s
